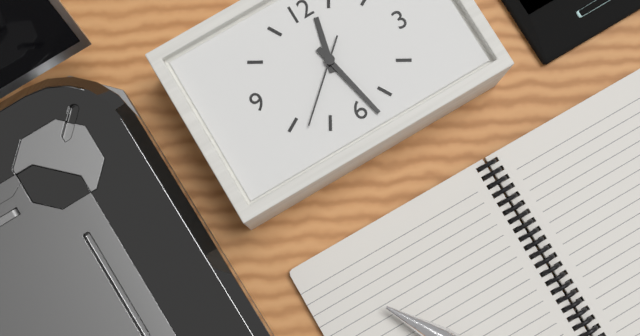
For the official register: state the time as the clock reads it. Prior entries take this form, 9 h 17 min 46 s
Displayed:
12 h 28 min 38 s
